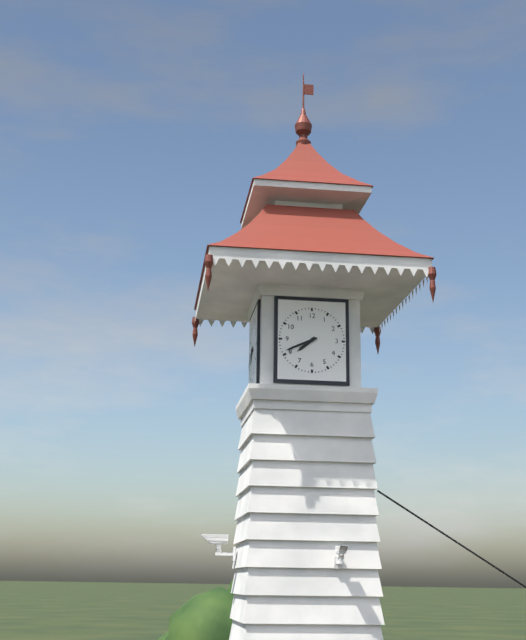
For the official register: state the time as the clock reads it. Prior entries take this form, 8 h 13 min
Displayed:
7 h 41 min
